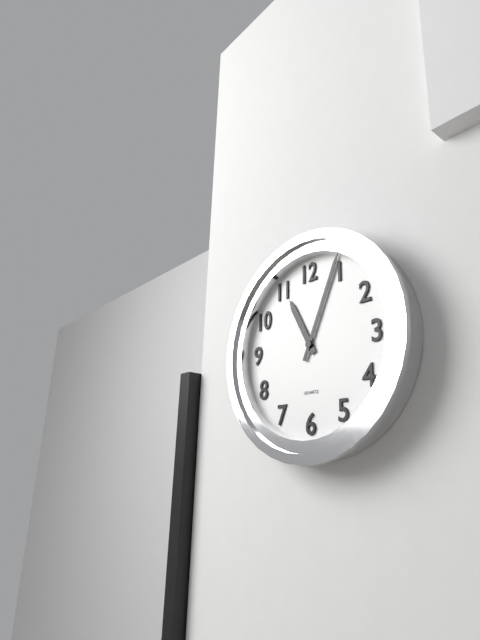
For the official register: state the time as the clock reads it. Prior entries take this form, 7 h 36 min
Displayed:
11 h 04 min
